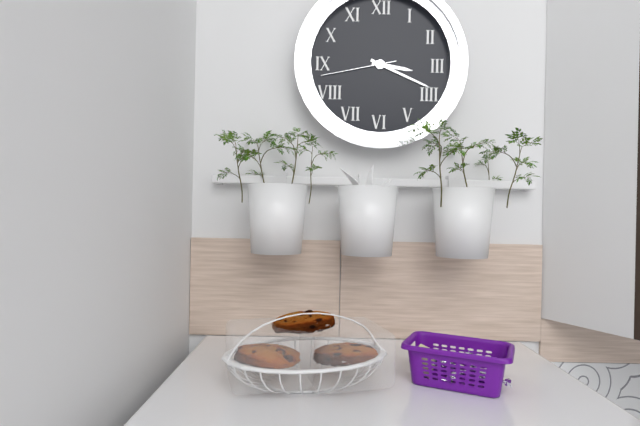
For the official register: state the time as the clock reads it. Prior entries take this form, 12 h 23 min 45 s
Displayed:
3 h 19 min 43 s
